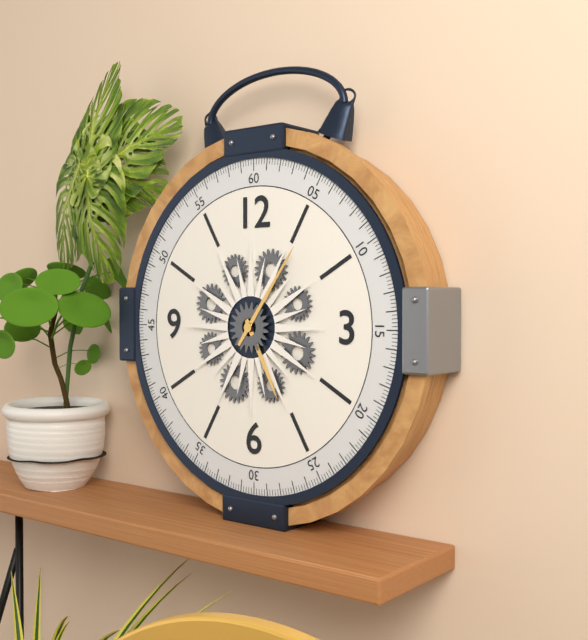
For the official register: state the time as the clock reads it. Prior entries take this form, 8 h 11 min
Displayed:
5 h 06 min
